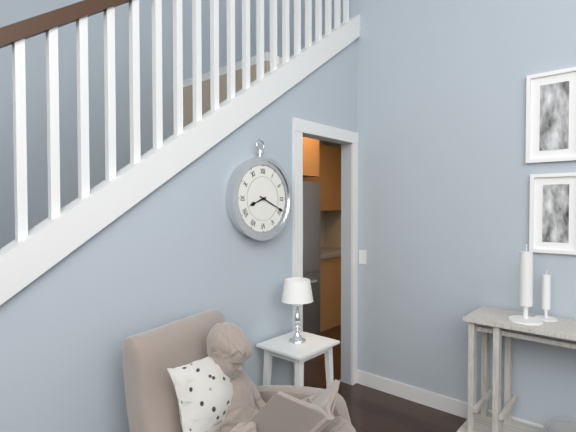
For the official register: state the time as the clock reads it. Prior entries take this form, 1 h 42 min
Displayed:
8 h 19 min
